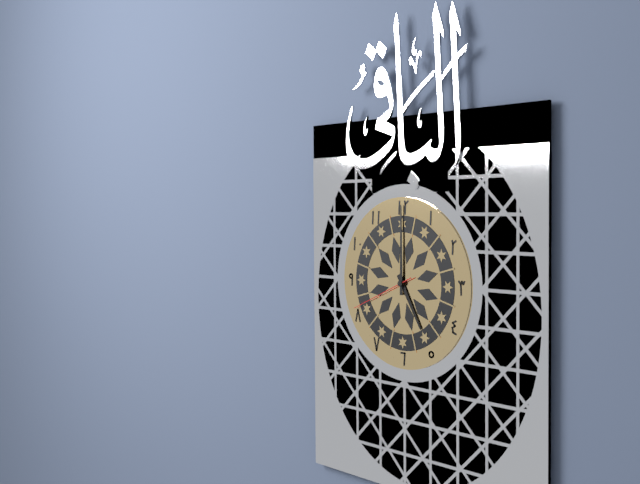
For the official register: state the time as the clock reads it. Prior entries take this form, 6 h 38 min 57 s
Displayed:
5 h 00 min 41 s
